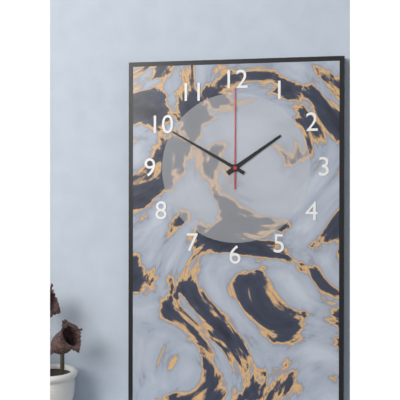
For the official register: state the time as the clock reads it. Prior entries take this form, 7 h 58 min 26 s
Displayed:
1 h 50 min 00 s
